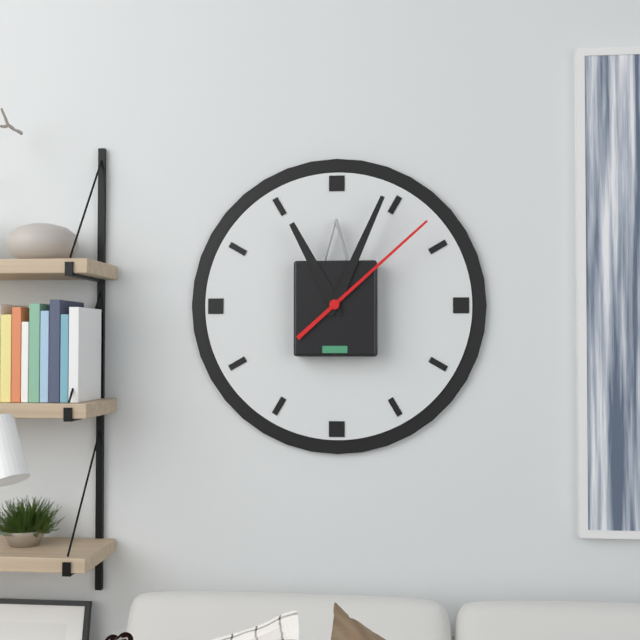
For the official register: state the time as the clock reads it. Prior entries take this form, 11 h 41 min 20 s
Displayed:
11 h 04 min 08 s
